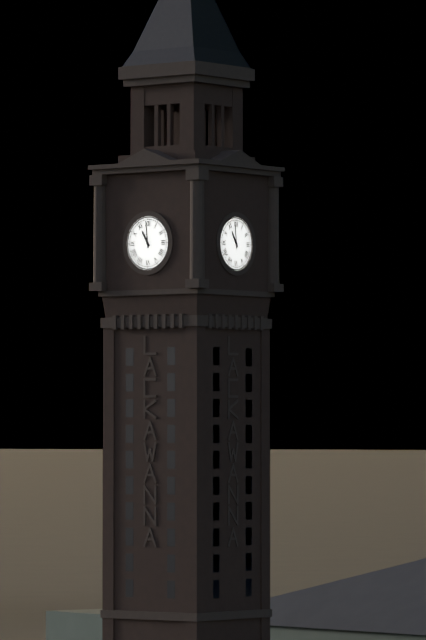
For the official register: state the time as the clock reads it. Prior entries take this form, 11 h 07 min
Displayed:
10 h 59 min
